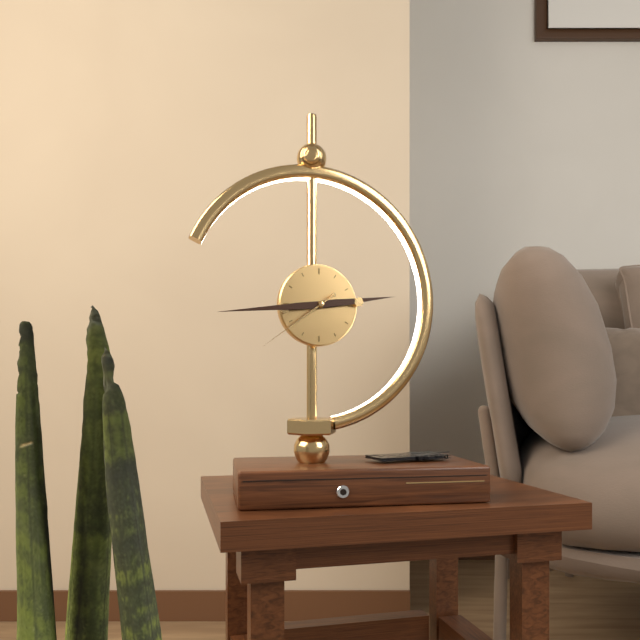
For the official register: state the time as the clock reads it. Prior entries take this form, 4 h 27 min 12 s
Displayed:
2 h 44 min 39 s
